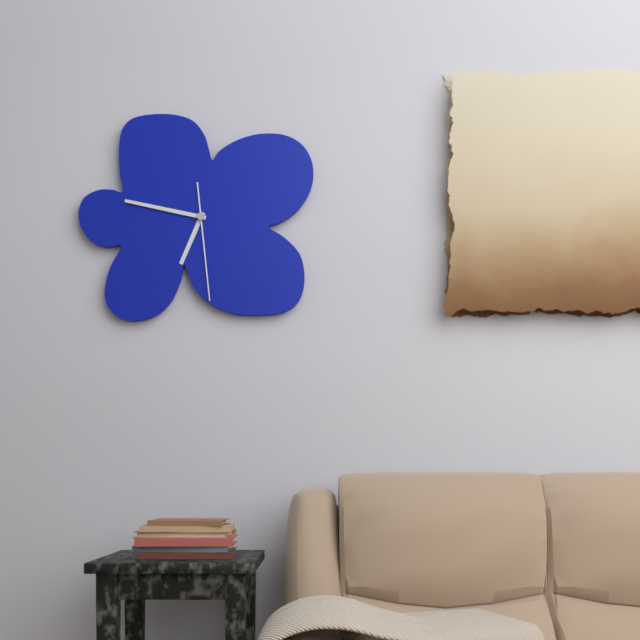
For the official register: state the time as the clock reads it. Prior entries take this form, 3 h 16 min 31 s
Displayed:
6 h 47 min 29 s
